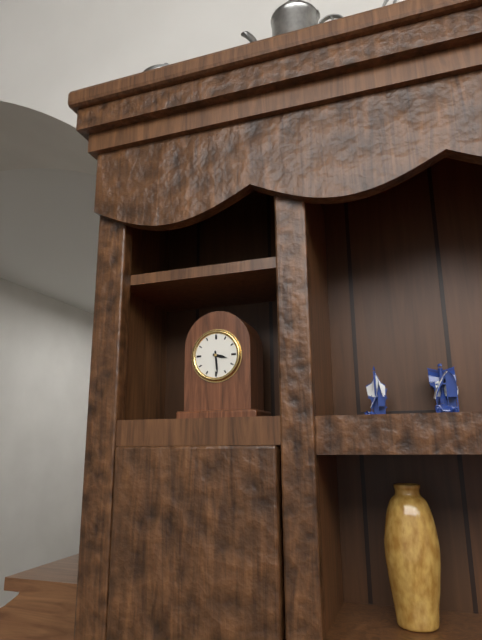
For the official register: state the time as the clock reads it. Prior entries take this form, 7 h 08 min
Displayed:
3 h 29 min
